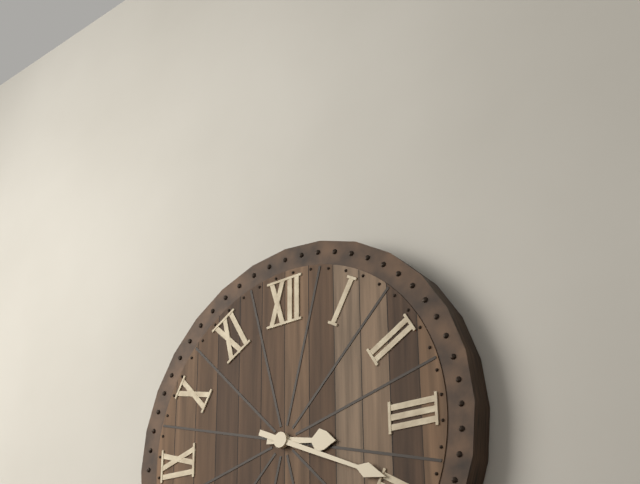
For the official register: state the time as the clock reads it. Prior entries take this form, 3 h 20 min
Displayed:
3 h 19 min
